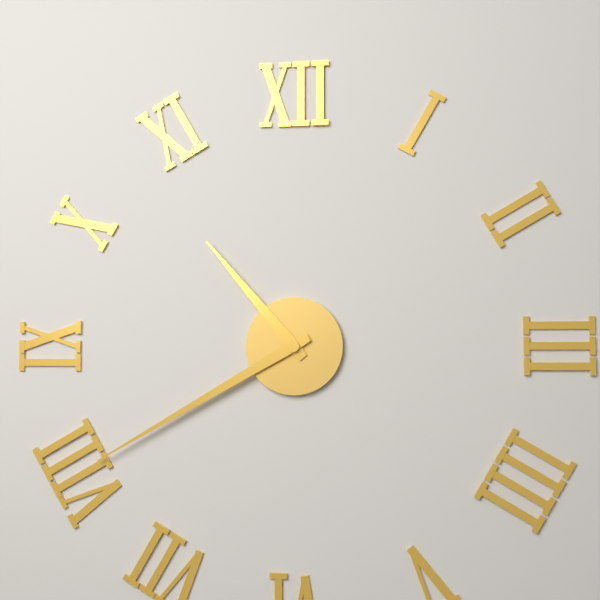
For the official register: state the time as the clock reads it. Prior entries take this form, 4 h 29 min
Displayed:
10 h 40 min
